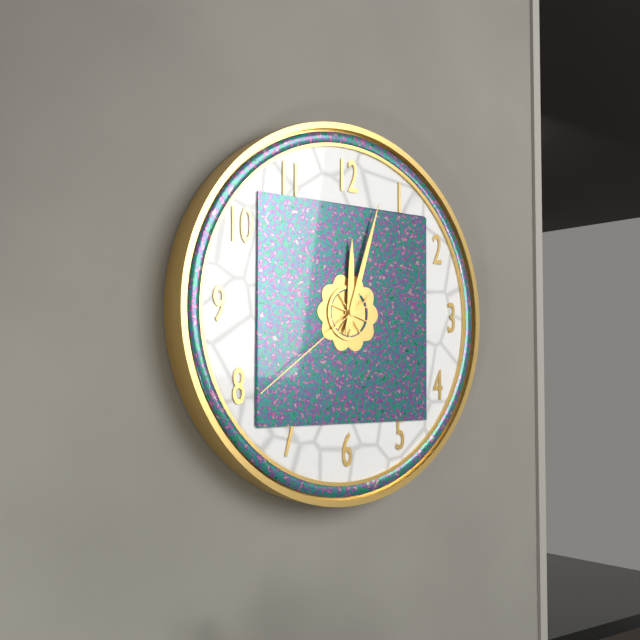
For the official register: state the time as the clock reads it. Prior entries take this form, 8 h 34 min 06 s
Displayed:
12 h 03 min 39 s
